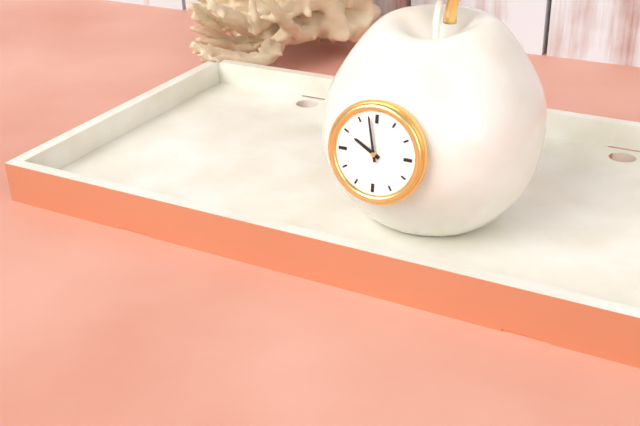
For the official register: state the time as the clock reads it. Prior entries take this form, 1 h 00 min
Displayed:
9 h 58 min
